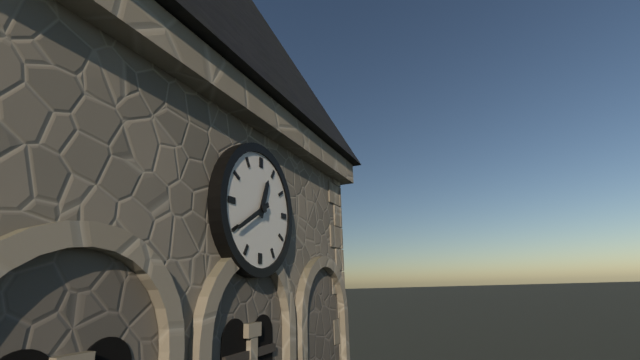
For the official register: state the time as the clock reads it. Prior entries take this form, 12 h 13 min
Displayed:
12 h 40 min
